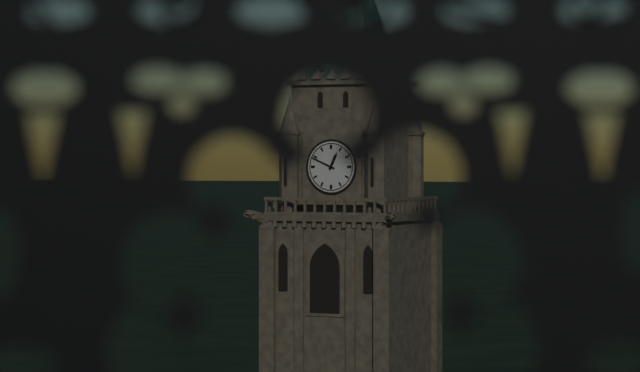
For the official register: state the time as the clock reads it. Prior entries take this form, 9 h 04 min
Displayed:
12 h 49 min
